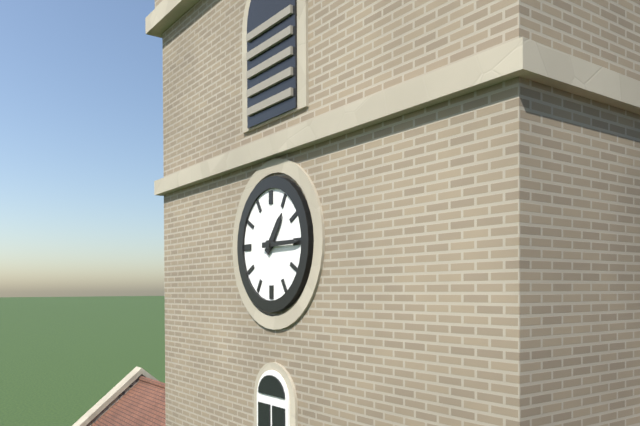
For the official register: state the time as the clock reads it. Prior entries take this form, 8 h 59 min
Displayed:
1 h 15 min
